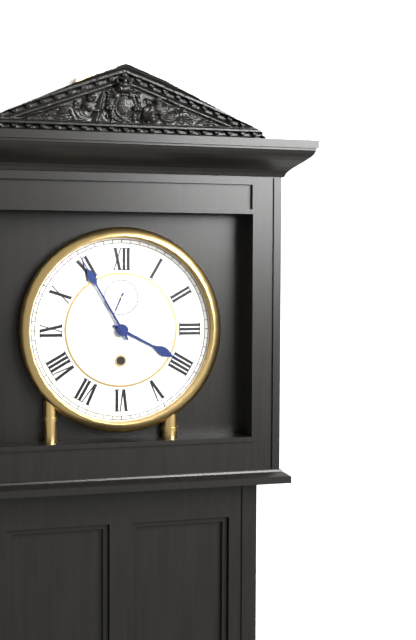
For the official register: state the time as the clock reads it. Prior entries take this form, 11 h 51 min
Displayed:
3 h 55 min
